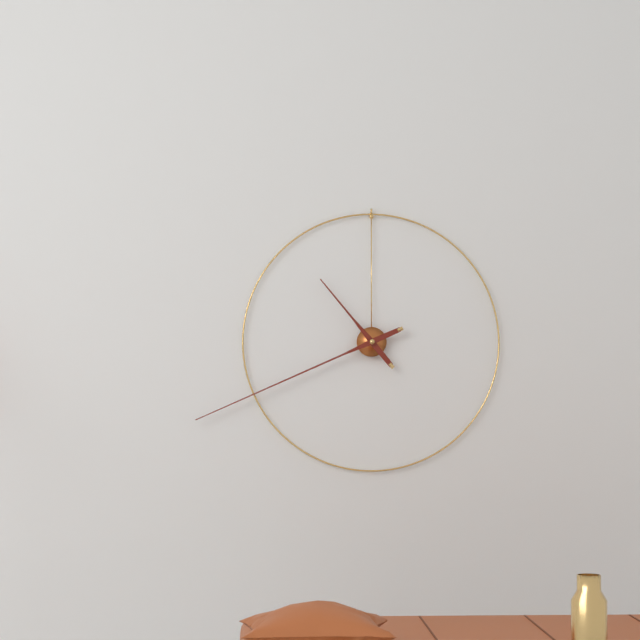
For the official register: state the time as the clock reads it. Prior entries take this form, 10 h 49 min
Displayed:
10 h 41 min
